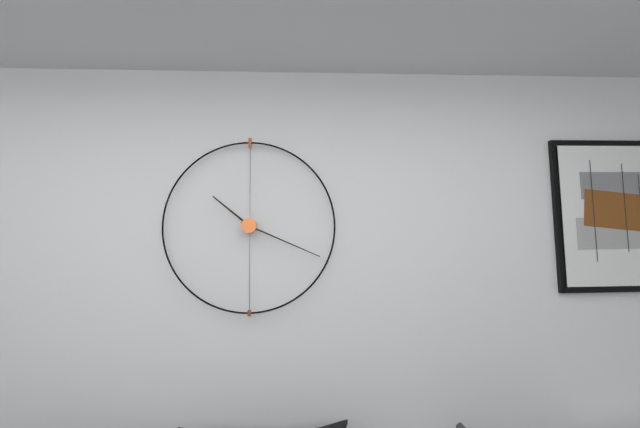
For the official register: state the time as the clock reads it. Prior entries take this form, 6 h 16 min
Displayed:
10 h 19 min
